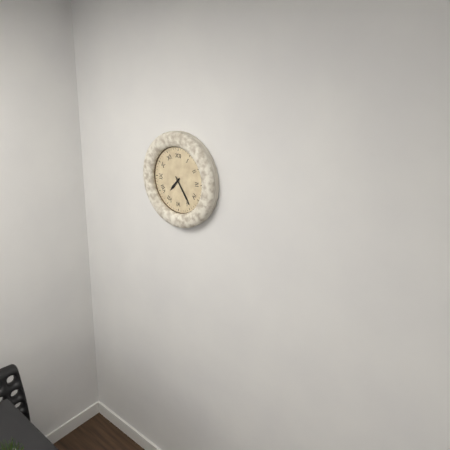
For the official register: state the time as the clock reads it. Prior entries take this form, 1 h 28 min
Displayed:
7 h 24 min
